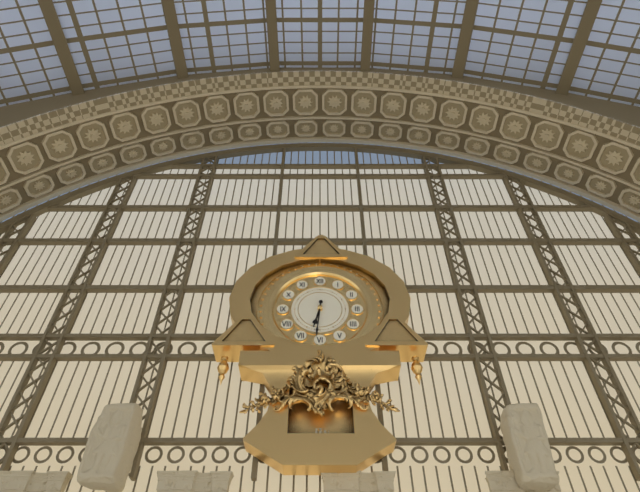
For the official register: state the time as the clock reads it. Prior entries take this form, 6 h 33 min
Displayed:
6 h 31 min
